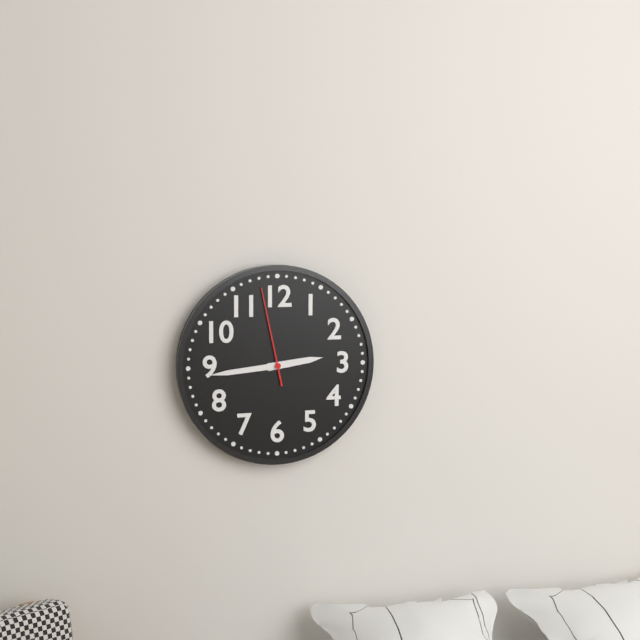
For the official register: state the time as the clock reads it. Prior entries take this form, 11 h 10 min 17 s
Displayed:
2 h 44 min 58 s
